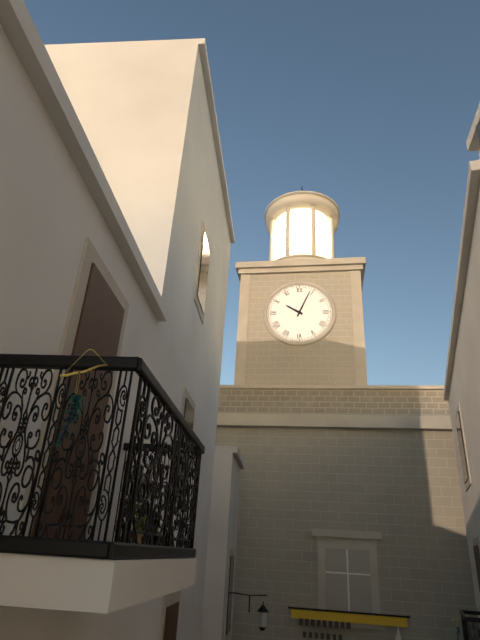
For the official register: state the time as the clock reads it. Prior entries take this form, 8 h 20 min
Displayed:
10 h 04 min
